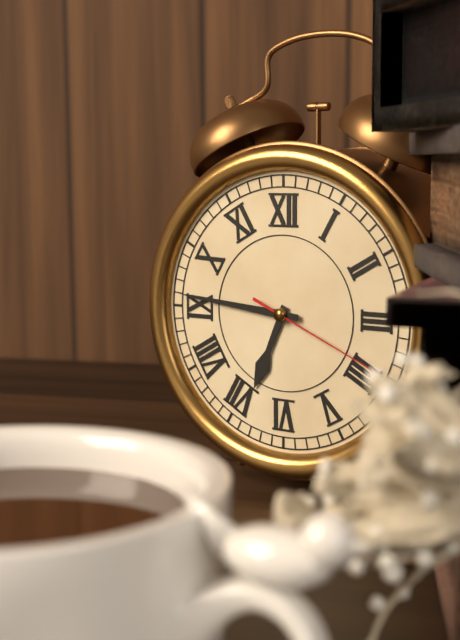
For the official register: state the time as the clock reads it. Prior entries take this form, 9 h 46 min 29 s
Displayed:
6 h 46 min 19 s
